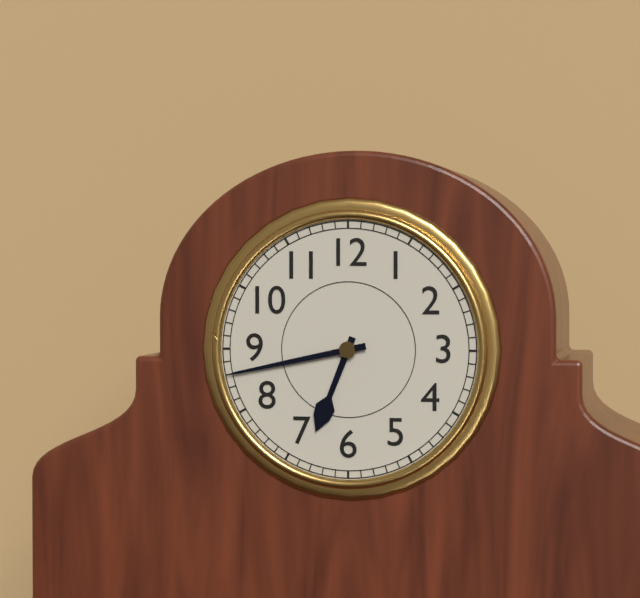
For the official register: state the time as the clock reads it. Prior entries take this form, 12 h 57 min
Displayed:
6 h 43 min
